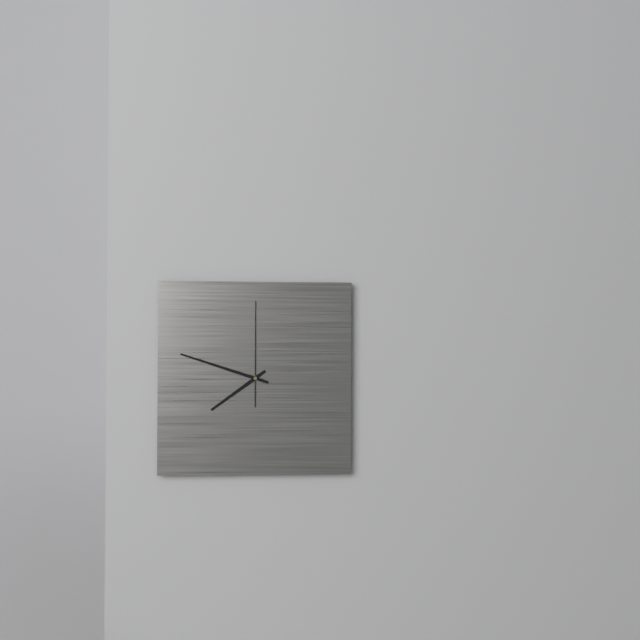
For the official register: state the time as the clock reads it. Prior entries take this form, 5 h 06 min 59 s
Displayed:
7 h 48 min 00 s
